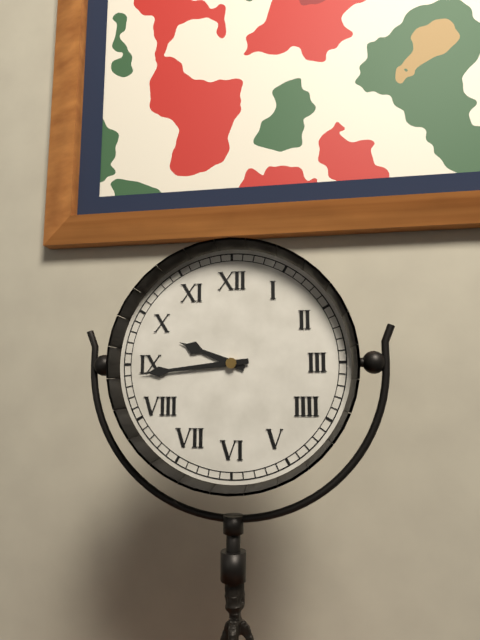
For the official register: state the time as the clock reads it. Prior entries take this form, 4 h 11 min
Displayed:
9 h 44 min
